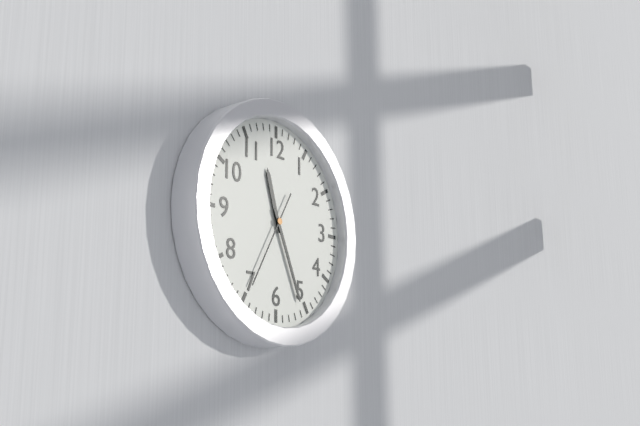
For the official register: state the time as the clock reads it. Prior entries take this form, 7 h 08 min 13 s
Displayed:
11 h 26 min 35 s
